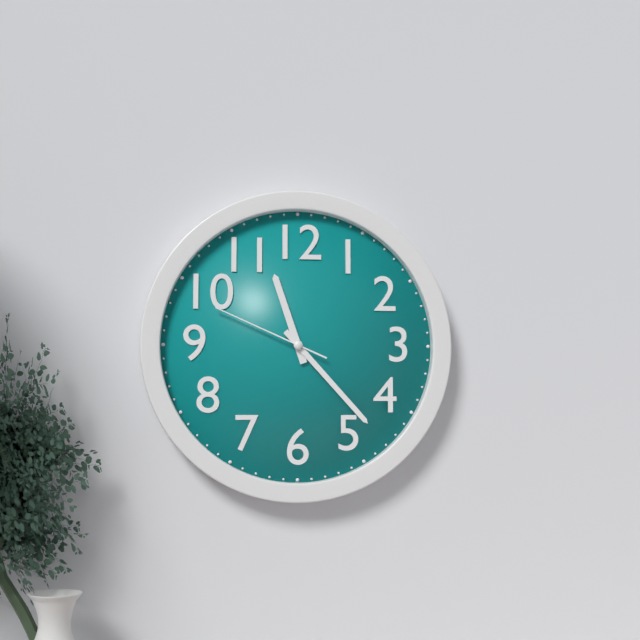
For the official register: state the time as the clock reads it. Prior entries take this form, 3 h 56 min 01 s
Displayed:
11 h 23 min 49 s
